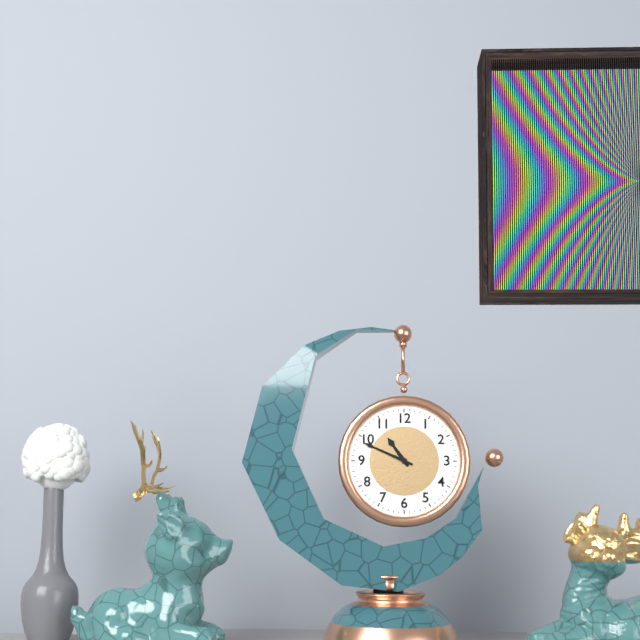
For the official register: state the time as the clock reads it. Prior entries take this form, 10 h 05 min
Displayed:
10 h 49 min
